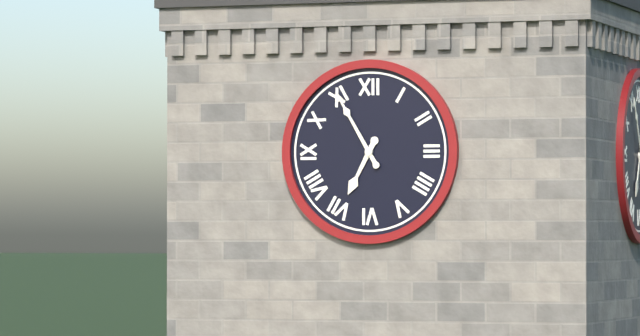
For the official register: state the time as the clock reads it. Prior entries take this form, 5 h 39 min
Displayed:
6 h 55 min
